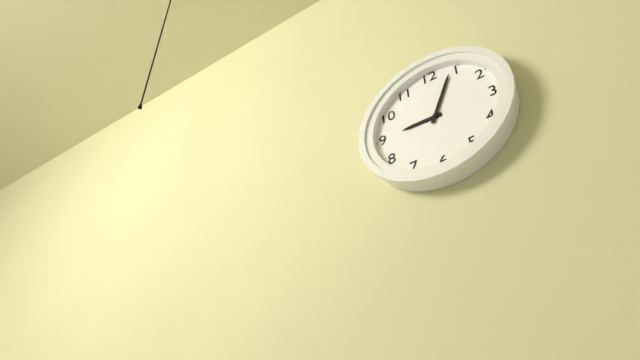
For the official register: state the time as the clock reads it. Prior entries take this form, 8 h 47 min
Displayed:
9 h 04 min
